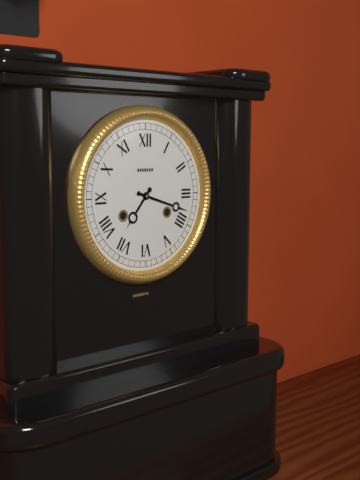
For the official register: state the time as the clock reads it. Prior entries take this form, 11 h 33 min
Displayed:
7 h 18 min
